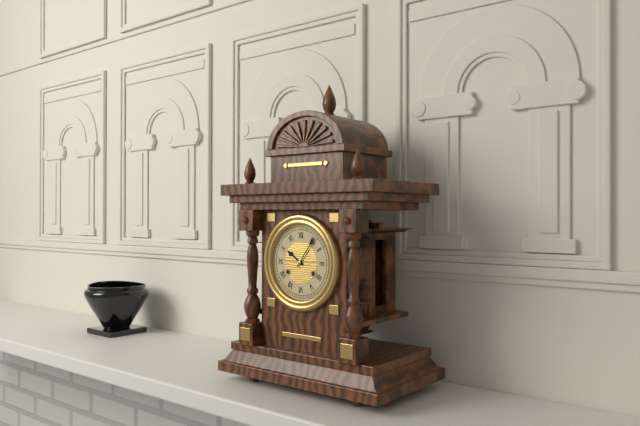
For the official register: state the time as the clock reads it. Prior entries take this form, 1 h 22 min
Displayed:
10 h 06 min
